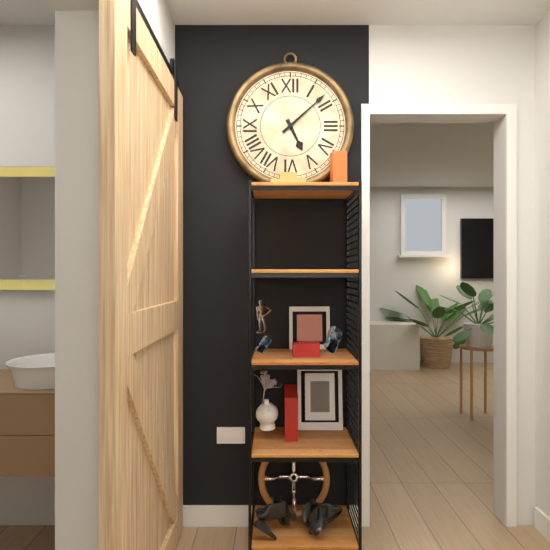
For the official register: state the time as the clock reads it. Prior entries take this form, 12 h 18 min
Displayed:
5 h 08 min
